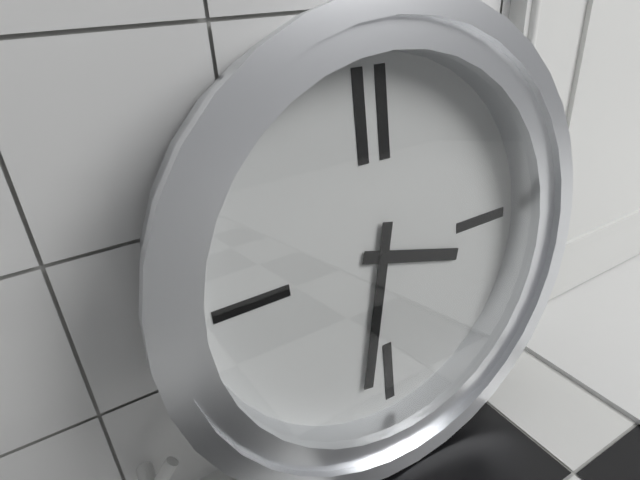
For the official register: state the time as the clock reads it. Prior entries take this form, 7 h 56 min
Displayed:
3 h 32 min
